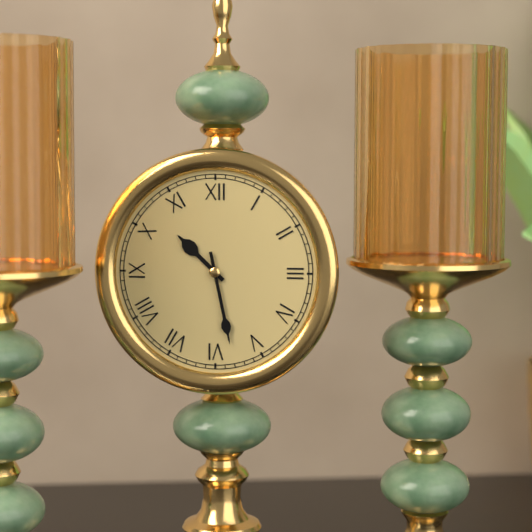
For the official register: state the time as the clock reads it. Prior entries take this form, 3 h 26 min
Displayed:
10 h 28 min
